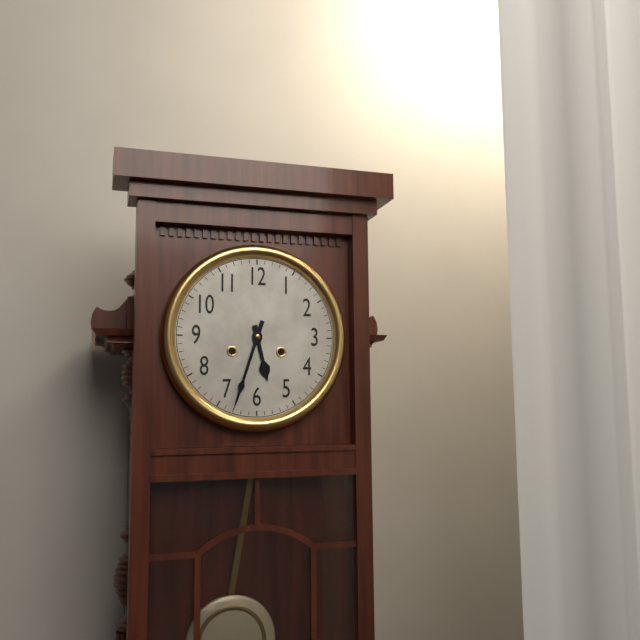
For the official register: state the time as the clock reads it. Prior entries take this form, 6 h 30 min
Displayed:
5 h 33 min
